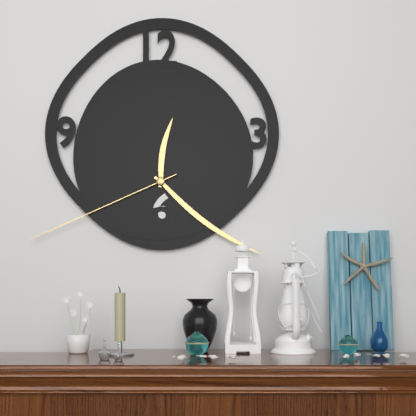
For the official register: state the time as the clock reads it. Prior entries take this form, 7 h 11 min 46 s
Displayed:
12 h 21 min 41 s
